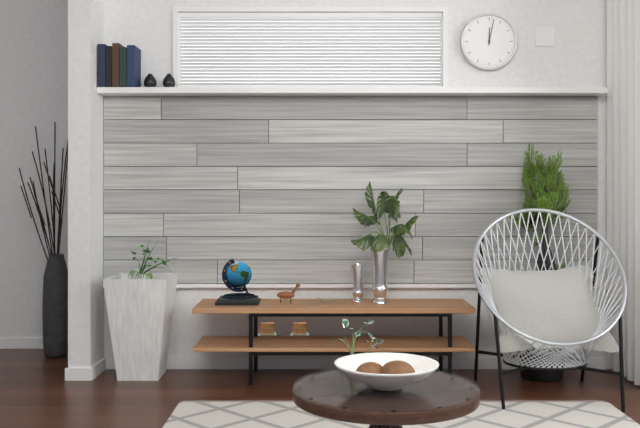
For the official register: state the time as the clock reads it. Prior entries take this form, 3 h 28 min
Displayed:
12 h 02 min
